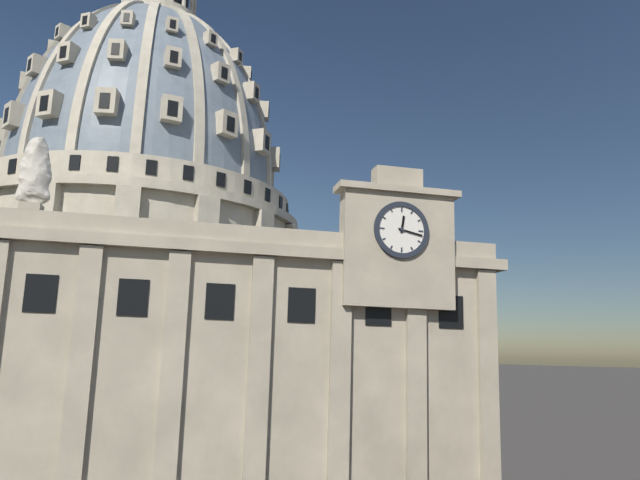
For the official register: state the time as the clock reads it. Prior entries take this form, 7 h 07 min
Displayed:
12 h 17 min
